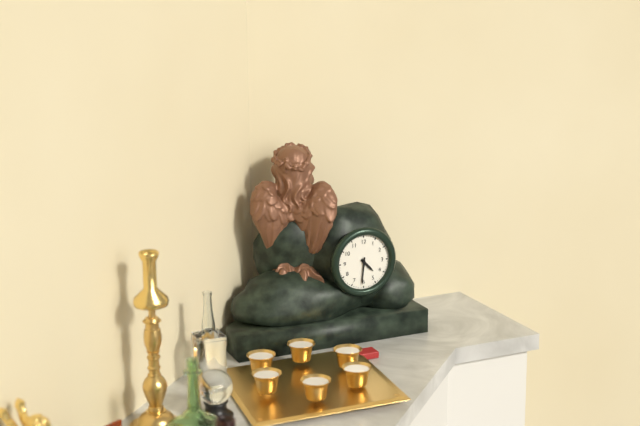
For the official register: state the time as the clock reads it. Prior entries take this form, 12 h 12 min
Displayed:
4 h 31 min
